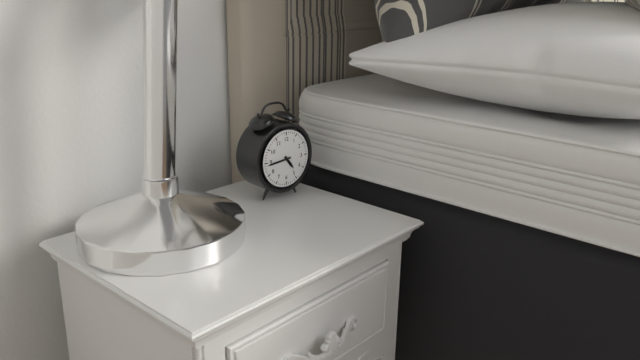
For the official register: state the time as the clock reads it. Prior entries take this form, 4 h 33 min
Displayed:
4 h 44 min
